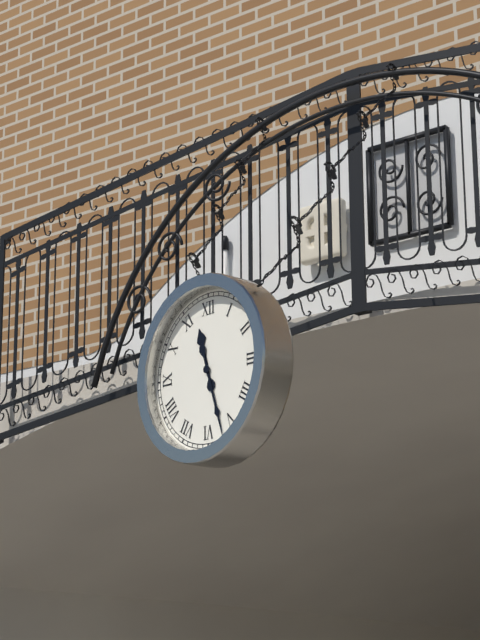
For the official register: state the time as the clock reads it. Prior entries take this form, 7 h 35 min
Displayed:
11 h 27 min
